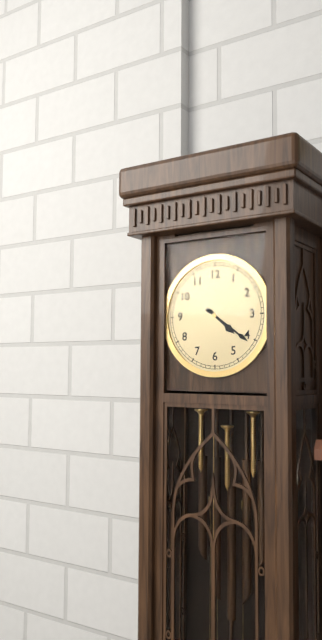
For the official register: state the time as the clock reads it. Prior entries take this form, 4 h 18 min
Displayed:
4 h 21 min
